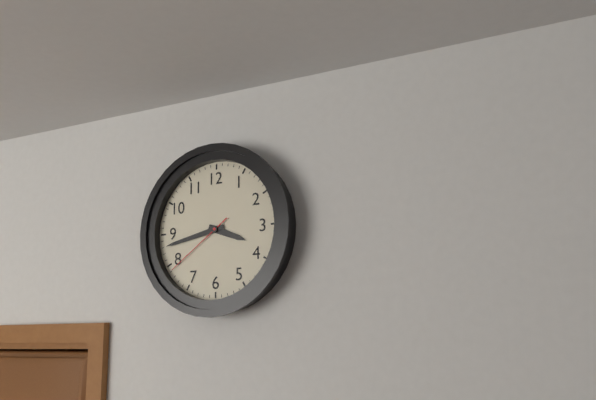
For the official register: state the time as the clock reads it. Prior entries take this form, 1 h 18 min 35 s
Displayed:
3 h 43 min 39 s
